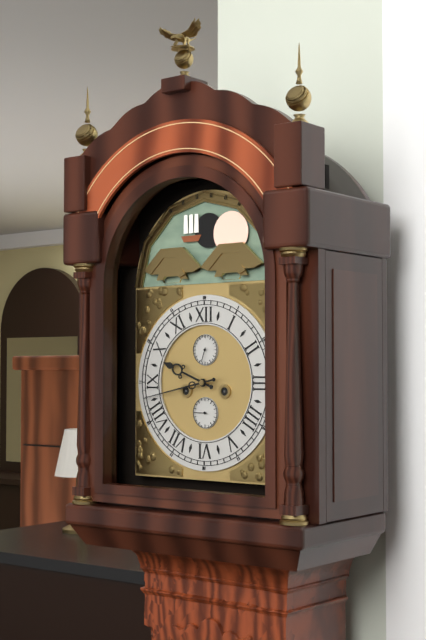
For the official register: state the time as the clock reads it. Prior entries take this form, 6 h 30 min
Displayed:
9 h 43 min
